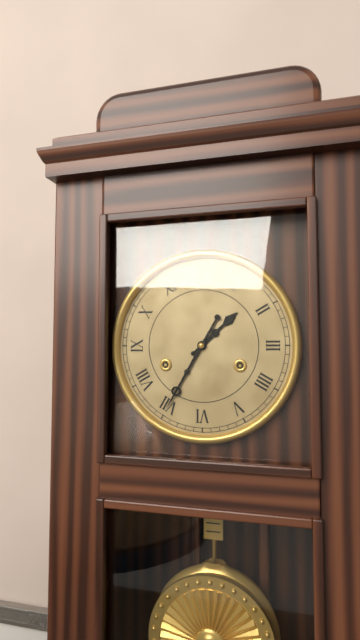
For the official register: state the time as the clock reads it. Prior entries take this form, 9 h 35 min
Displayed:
1 h 35 min
